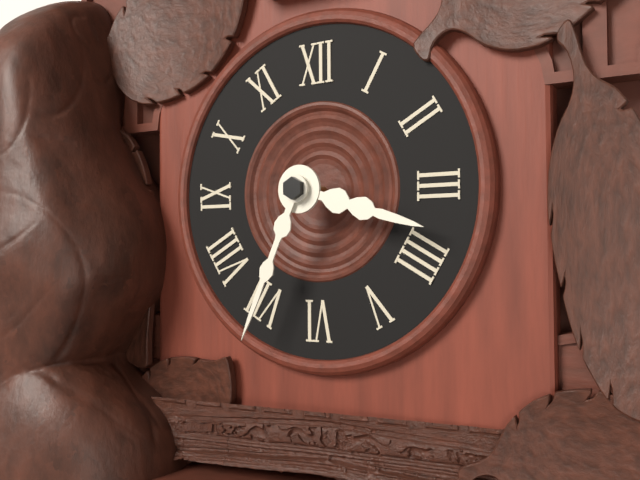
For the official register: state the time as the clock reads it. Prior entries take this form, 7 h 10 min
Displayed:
3 h 34 min
